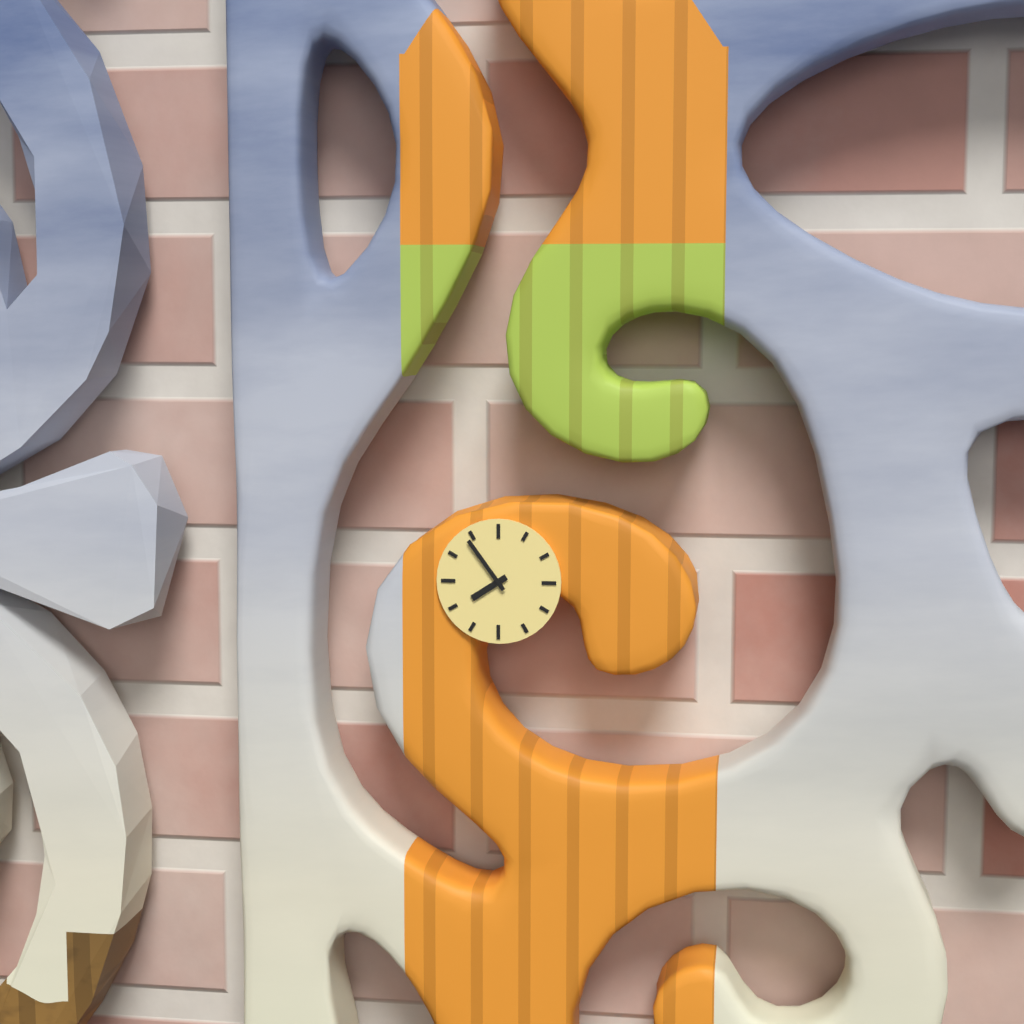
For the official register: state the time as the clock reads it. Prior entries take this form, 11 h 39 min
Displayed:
7 h 54 min
